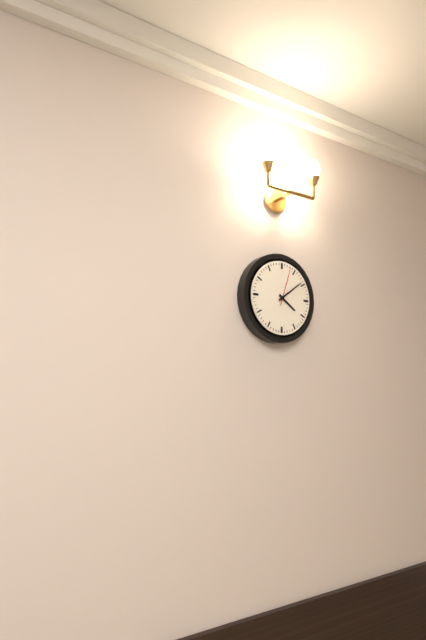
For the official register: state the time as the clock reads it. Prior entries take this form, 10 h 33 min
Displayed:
4 h 09 min
